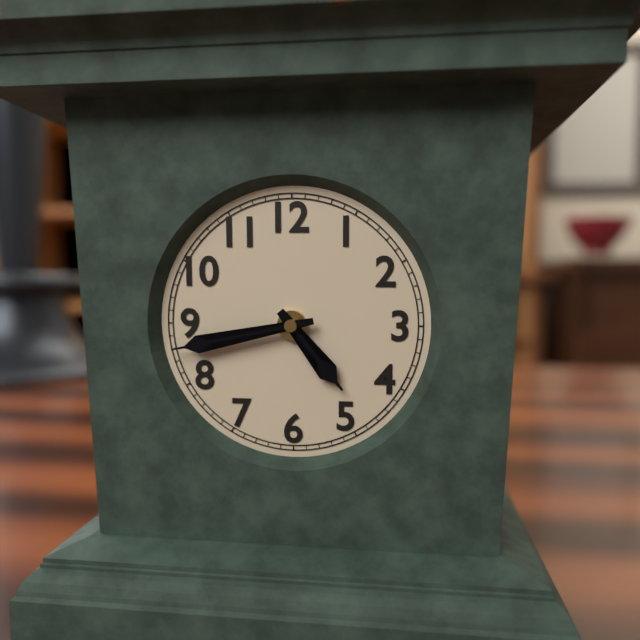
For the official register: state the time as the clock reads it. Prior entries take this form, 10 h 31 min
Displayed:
4 h 43 min
